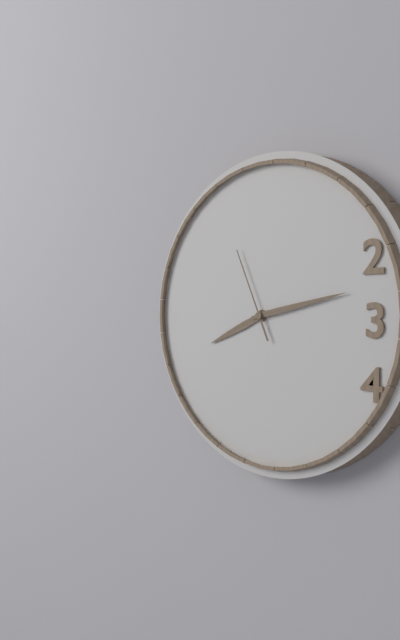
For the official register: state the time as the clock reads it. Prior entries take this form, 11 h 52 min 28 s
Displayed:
8 h 13 min 56 s
